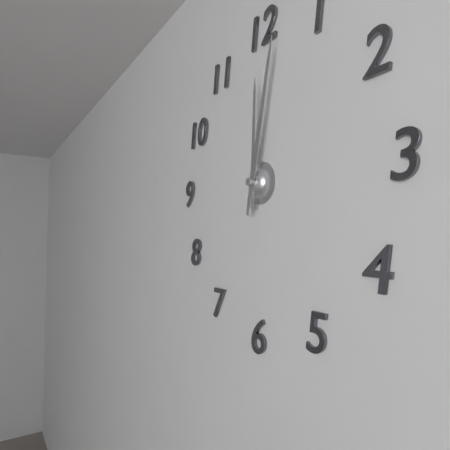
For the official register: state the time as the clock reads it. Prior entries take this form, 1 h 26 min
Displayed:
12 h 02 min
